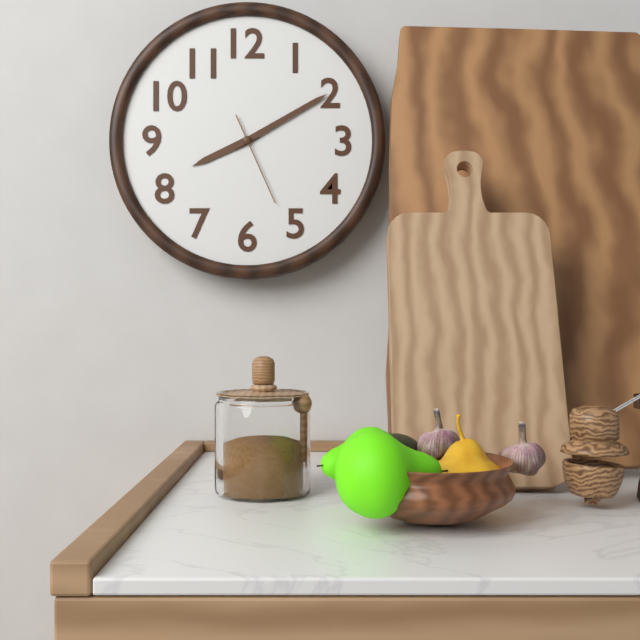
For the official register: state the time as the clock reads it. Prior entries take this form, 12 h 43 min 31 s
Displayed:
8 h 10 min 26 s
